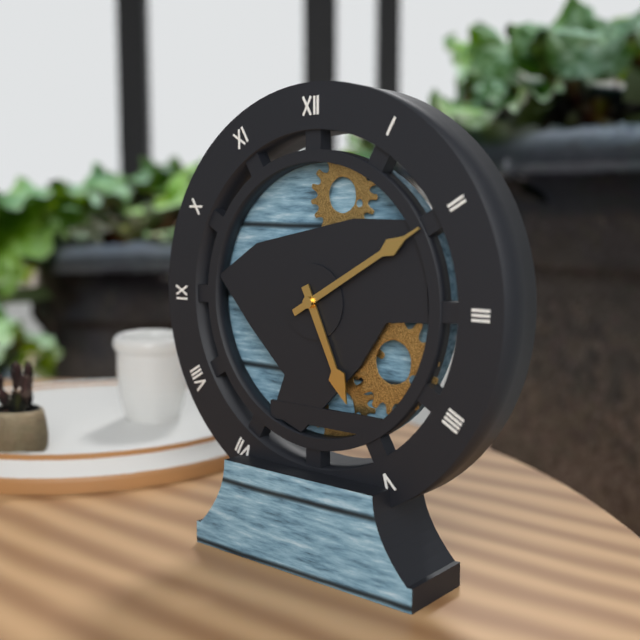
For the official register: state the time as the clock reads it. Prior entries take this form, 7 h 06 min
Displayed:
5 h 10 min
